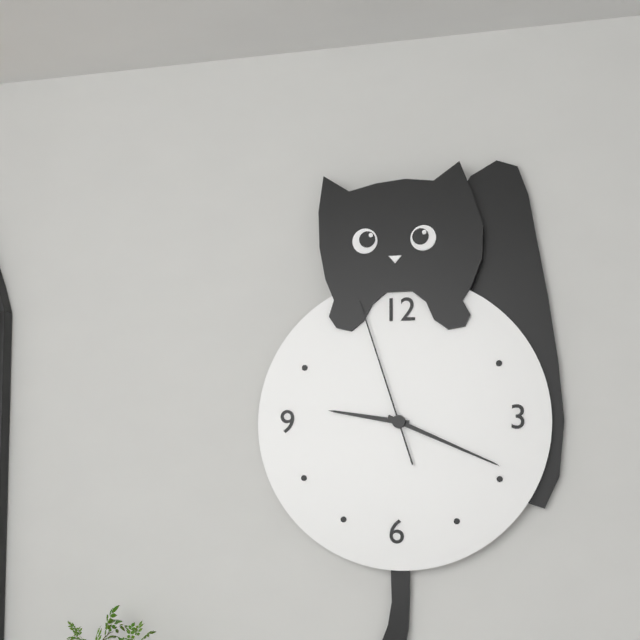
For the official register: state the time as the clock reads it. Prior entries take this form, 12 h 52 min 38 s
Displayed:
9 h 19 min 57 s
